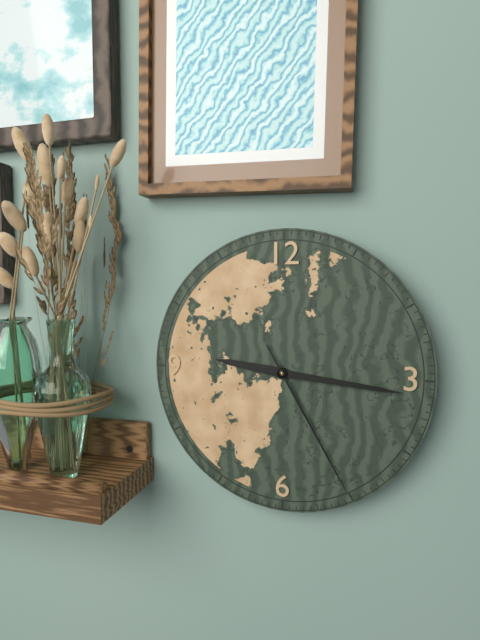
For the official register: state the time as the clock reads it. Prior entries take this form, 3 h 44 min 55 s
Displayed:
9 h 16 min 25 s
